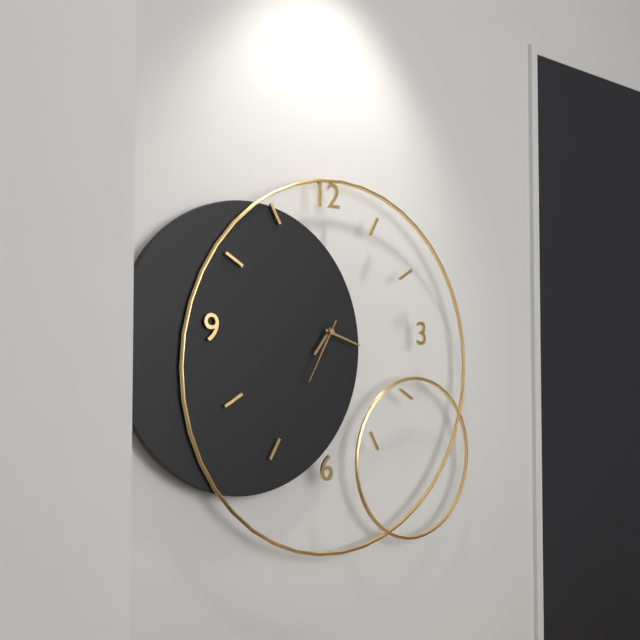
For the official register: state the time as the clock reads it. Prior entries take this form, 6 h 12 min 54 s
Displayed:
7 h 18 min 35 s
